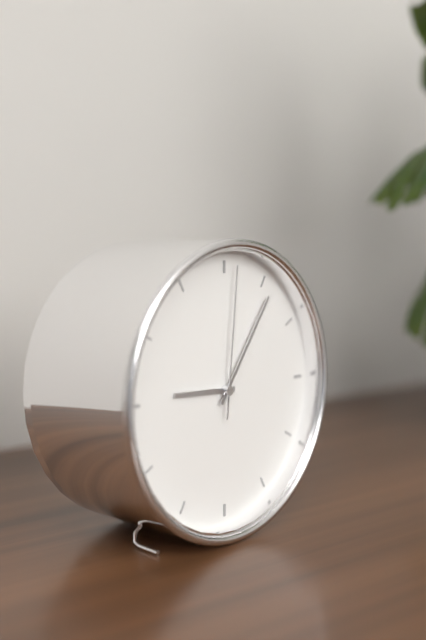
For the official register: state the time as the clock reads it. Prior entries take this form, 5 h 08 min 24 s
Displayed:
9 h 06 min 01 s
